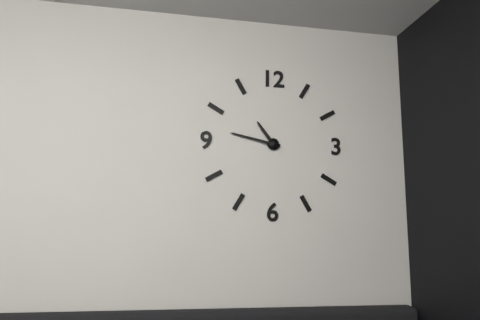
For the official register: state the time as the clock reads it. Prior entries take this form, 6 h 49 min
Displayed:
10 h 47 min
